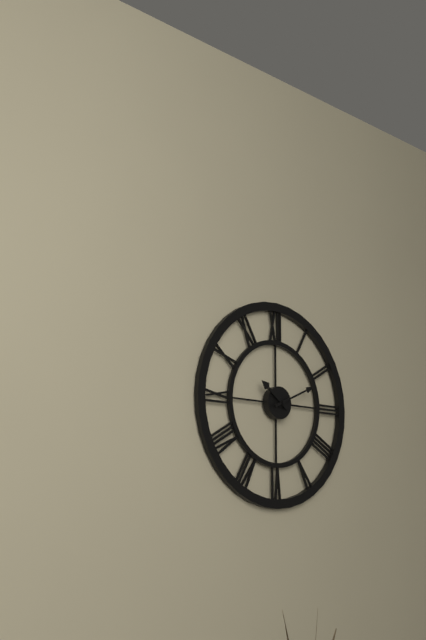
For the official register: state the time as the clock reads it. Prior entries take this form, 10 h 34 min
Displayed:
10 h 11 min
